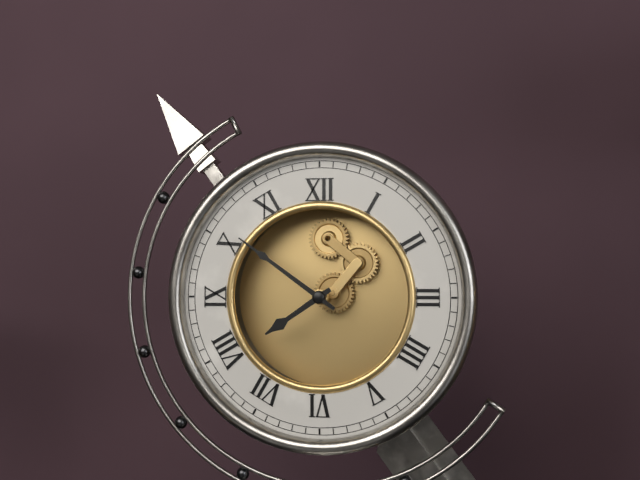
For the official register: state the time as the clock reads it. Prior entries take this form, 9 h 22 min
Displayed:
7 h 51 min
